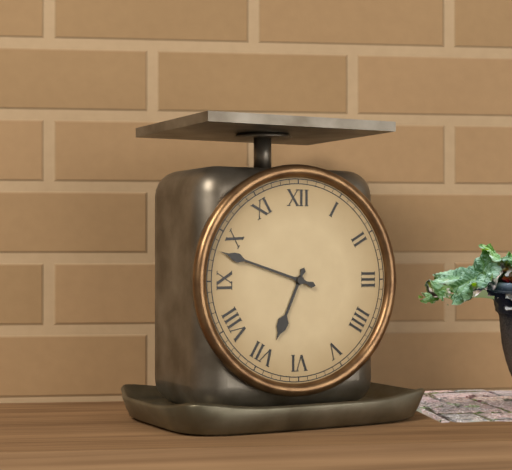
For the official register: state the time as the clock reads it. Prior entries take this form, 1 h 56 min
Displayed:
6 h 48 min
